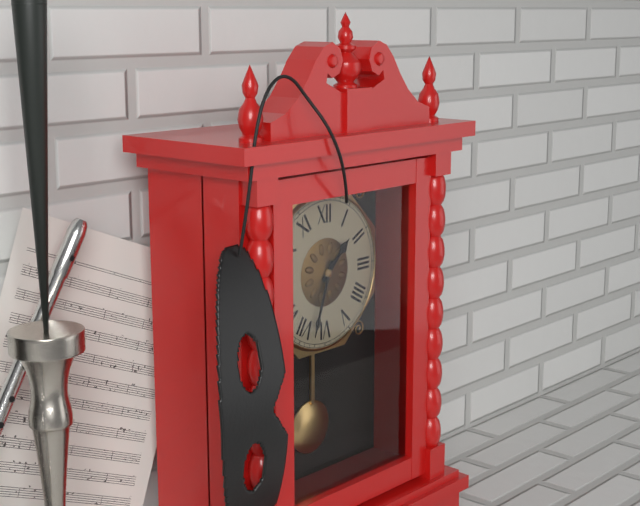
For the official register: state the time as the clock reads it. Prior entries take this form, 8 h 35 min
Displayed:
1 h 33 min
